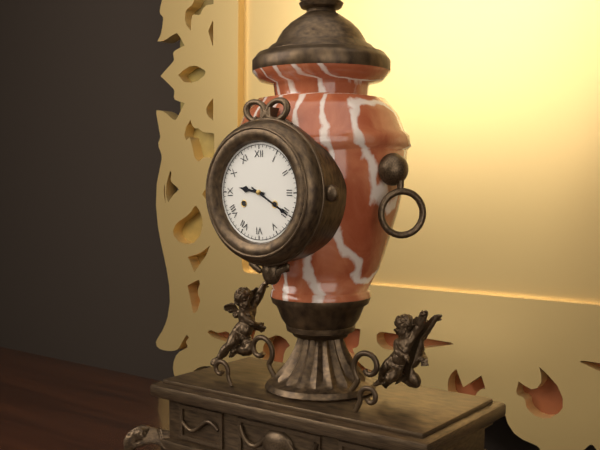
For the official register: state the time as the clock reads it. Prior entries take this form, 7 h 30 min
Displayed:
9 h 20 min
